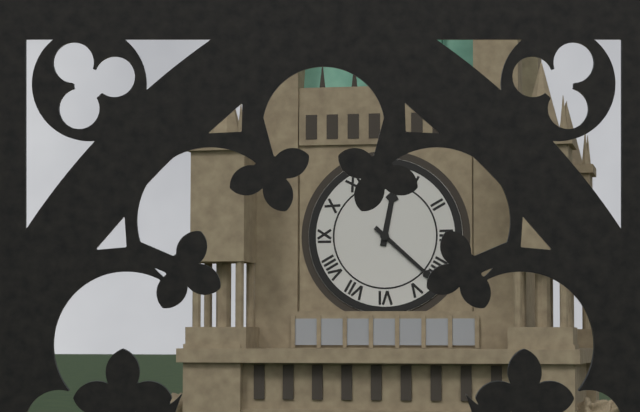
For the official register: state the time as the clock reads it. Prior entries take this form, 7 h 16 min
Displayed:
12 h 22 min
